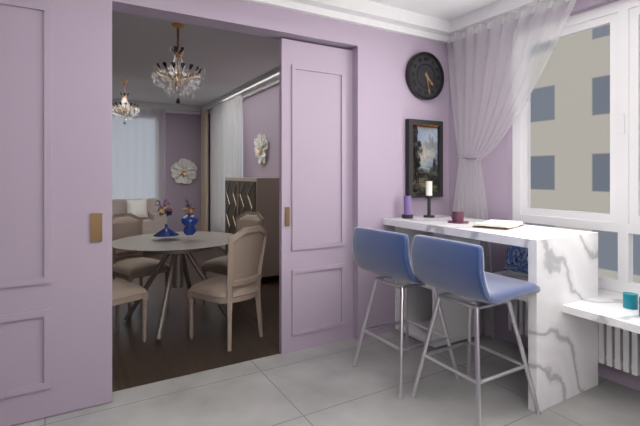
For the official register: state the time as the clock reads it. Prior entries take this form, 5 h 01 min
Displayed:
4 h 28 min
